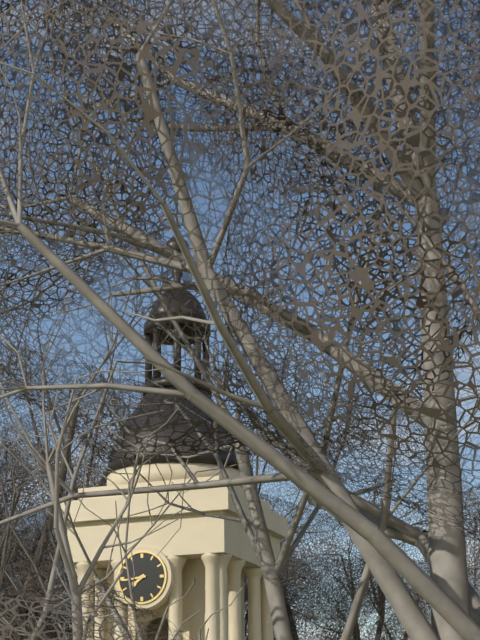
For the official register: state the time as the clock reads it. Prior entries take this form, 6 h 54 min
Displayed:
7 h 44 min
